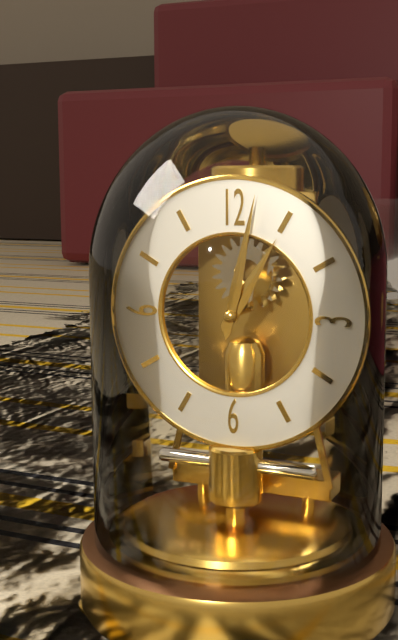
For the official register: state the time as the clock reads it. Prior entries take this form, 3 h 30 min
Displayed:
1 h 02 min
